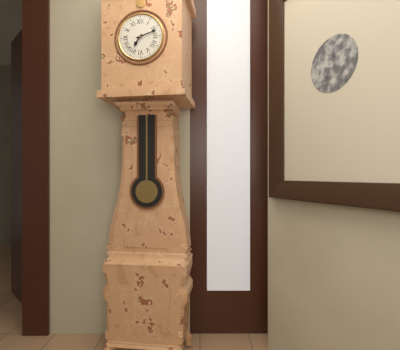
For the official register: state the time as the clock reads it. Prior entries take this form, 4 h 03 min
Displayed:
7 h 12 min
